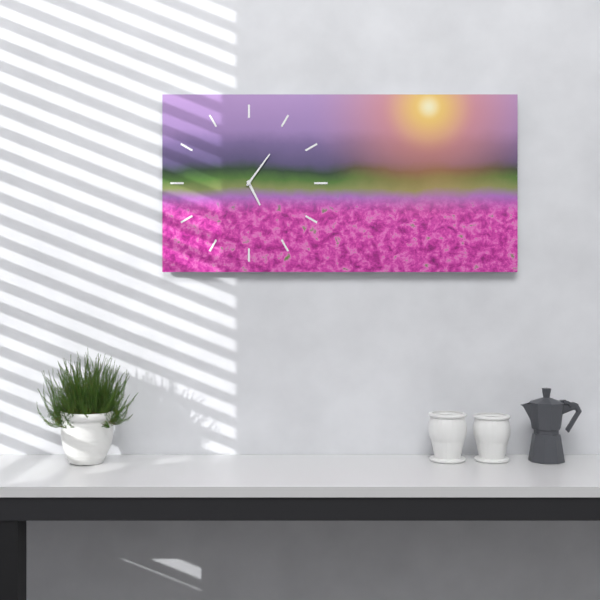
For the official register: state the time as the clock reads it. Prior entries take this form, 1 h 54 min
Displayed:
5 h 06 min
